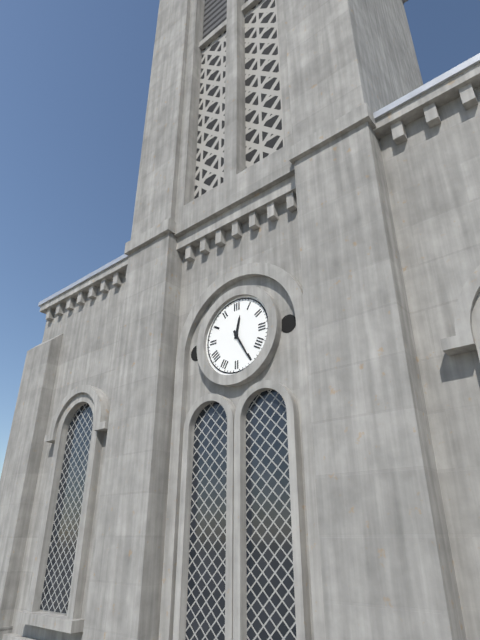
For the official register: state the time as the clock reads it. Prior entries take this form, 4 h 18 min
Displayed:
12 h 25 min
